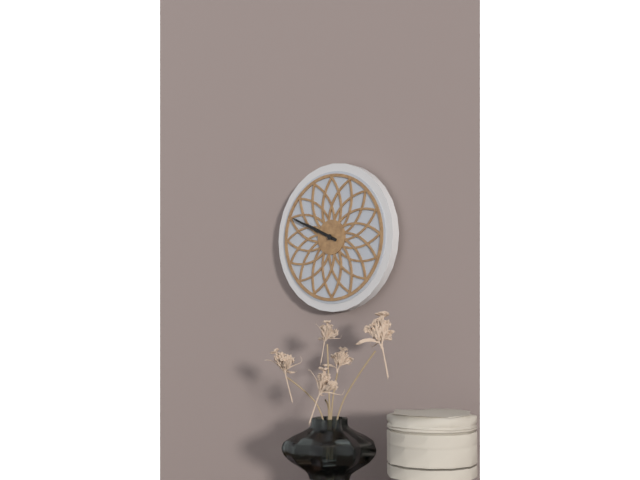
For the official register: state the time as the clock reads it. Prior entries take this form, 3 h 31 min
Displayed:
9 h 49 min
